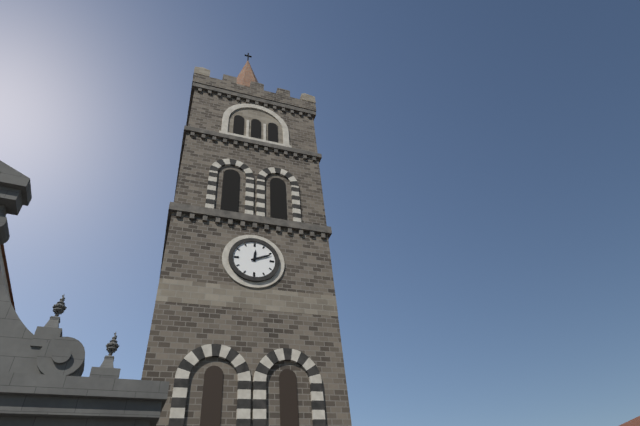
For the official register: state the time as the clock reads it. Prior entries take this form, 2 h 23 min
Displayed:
12 h 11 min
